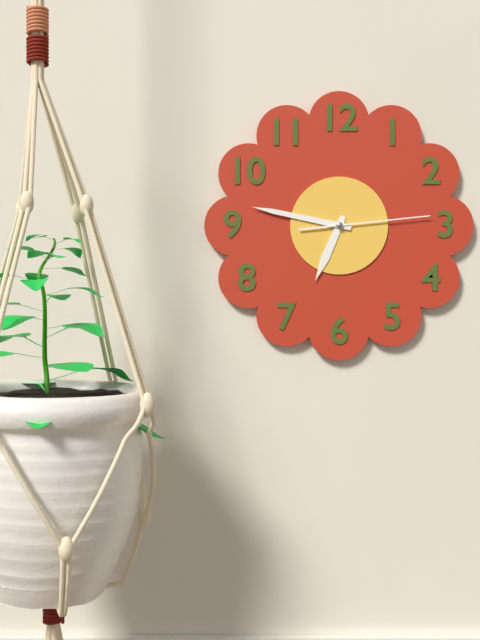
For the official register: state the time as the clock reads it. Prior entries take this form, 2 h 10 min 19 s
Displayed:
6 h 47 min 14 s
